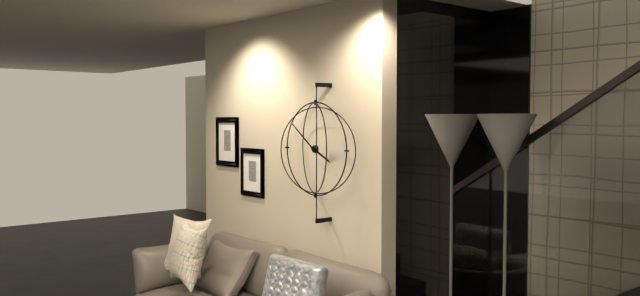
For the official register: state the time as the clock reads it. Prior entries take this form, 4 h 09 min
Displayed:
3 h 51 min
